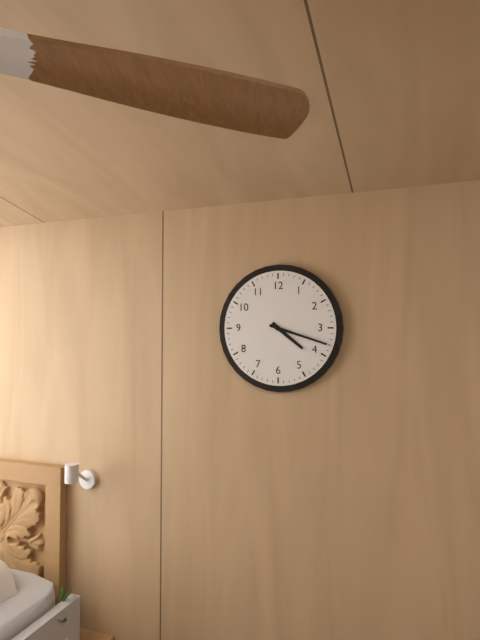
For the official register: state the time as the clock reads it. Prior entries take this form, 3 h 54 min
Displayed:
4 h 18 min
